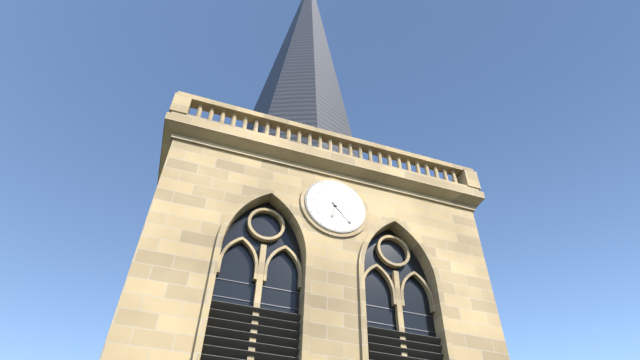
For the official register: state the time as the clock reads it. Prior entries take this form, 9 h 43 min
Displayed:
6 h 23 min
